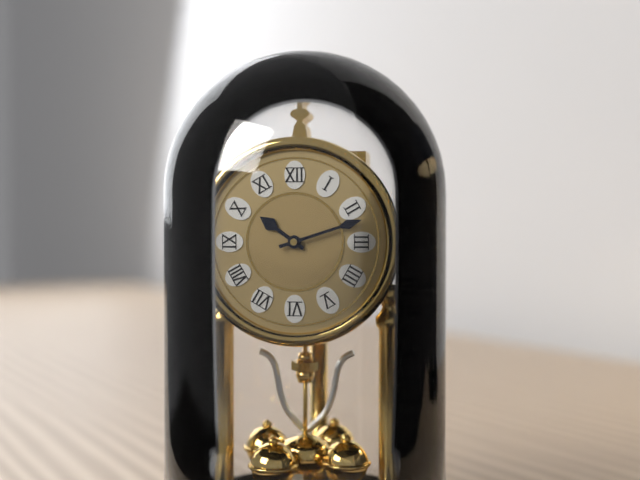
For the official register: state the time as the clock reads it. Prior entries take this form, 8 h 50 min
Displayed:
10 h 12 min
